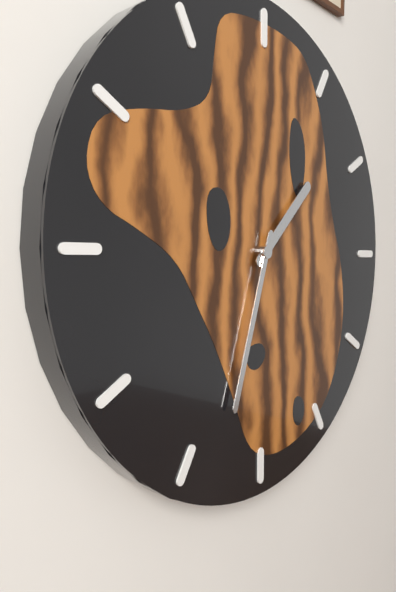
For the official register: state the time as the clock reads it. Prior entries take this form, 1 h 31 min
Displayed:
1 h 33 min
